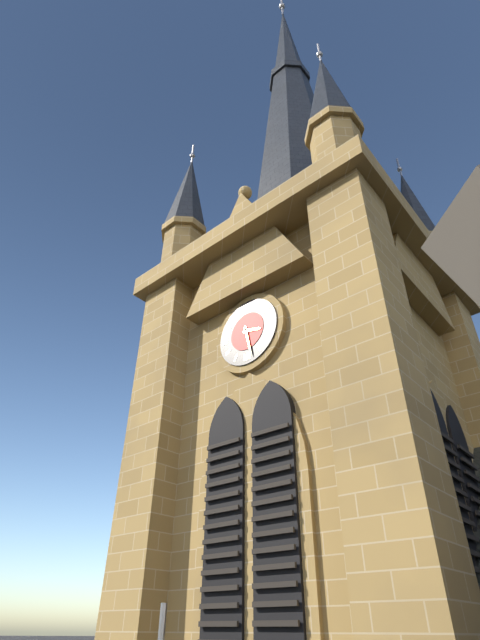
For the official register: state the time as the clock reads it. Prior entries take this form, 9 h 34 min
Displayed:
3 h 28 min
